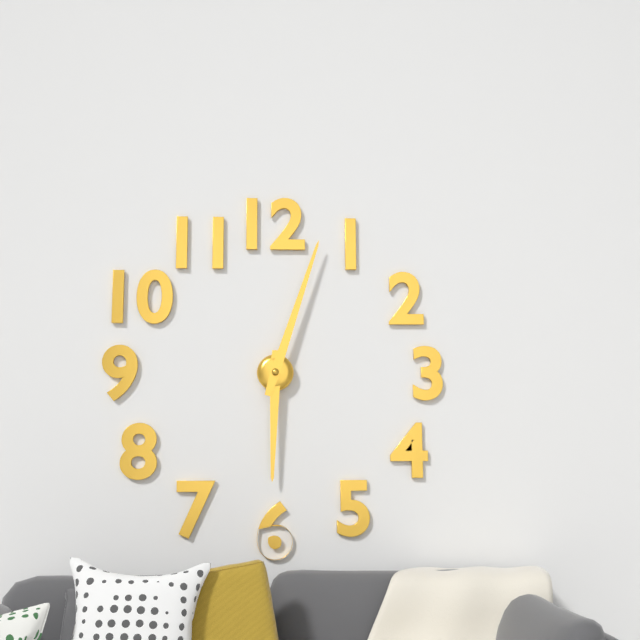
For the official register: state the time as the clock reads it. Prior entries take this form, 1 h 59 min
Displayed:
6 h 03 min
